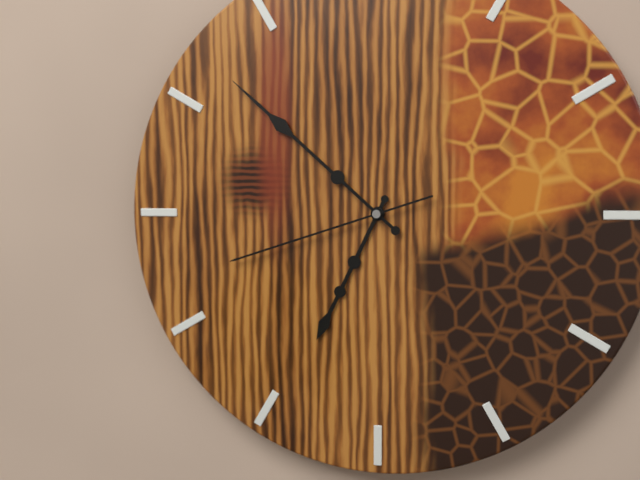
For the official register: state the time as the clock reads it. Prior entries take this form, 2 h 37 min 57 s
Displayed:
6 h 52 min 42 s
